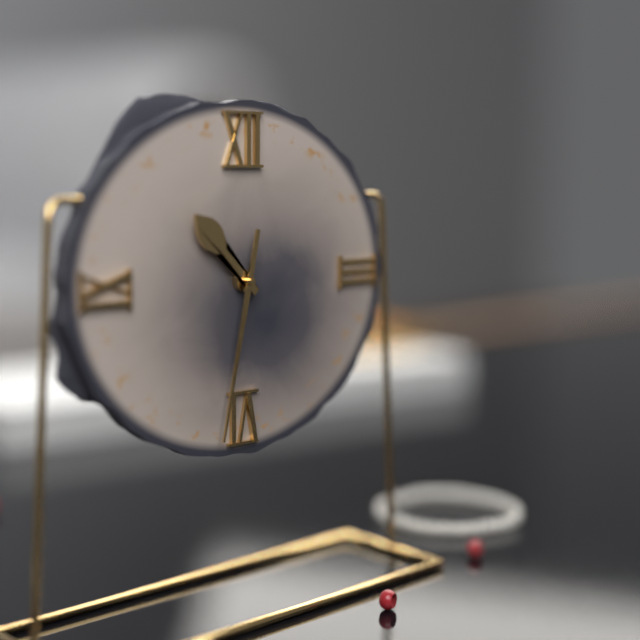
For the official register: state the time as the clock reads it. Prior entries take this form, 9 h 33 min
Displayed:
10 h 32 min
